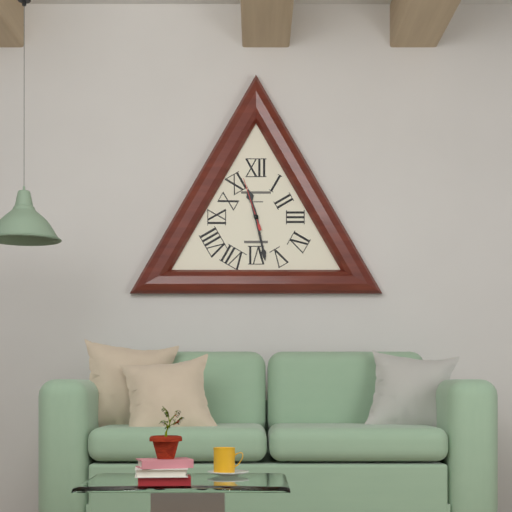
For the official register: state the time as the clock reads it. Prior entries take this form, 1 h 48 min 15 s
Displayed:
11 h 28 min 57 s
